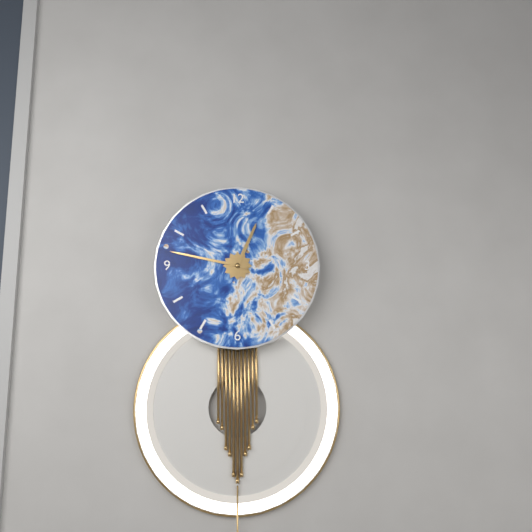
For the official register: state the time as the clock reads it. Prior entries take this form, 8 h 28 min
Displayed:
12 h 47 min
